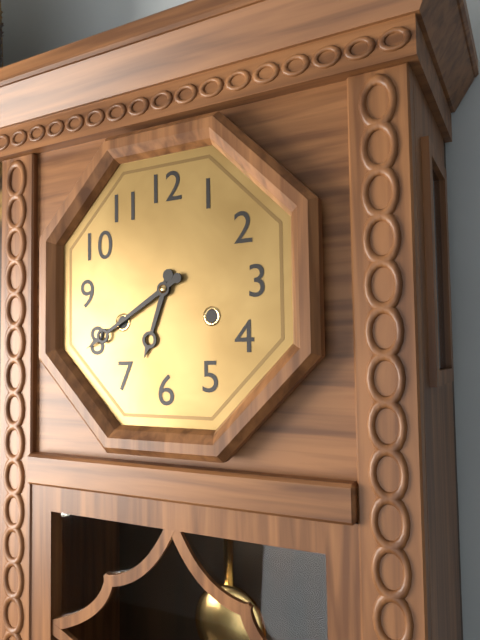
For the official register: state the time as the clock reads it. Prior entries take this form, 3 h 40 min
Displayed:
6 h 40 min
